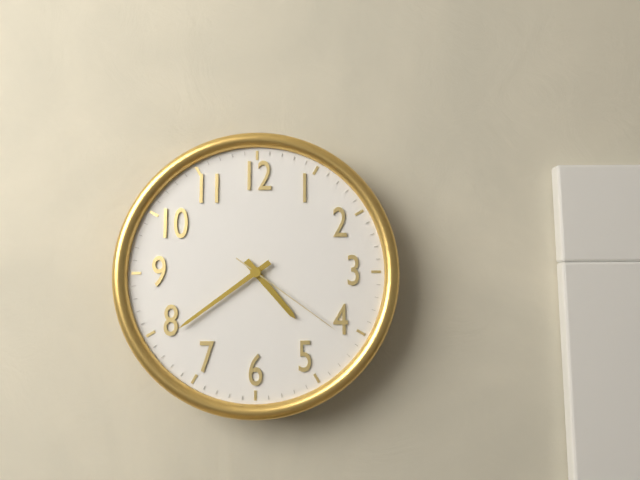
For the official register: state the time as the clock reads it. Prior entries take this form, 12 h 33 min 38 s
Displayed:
4 h 39 min 21 s
